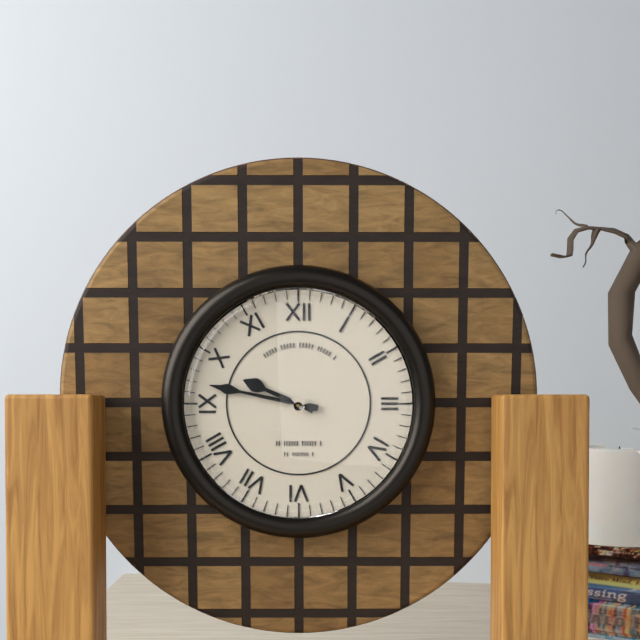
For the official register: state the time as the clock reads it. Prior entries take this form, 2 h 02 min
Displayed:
9 h 47 min
